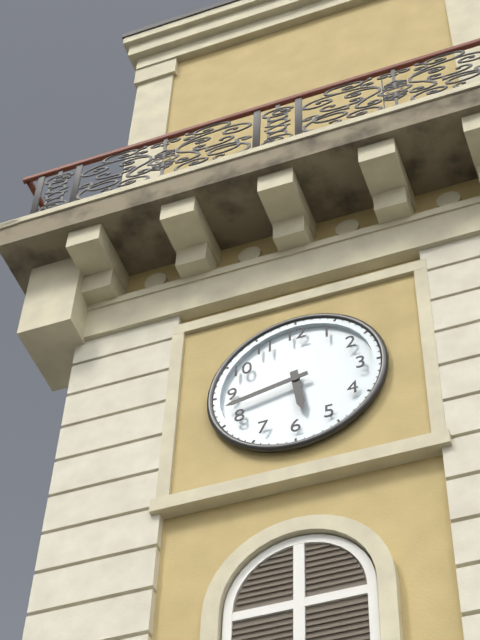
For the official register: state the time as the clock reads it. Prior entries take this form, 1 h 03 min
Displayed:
5 h 43 min
